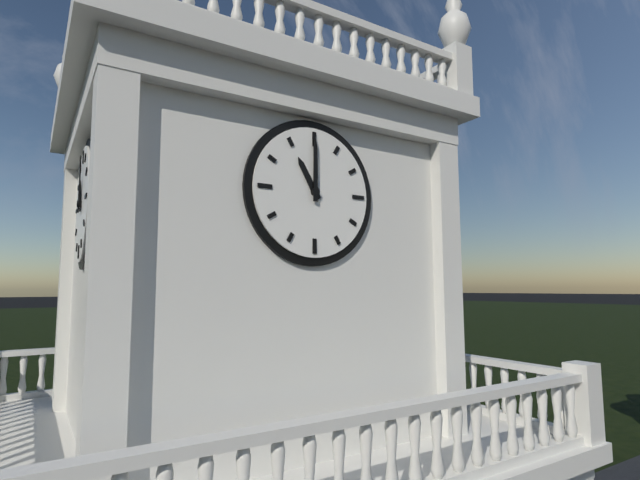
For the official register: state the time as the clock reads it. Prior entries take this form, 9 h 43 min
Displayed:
11 h 00 min
